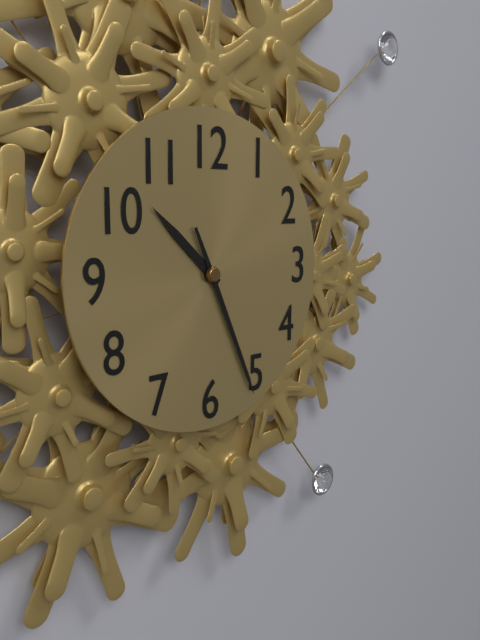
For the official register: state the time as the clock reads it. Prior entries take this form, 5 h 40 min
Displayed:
10 h 26 min
